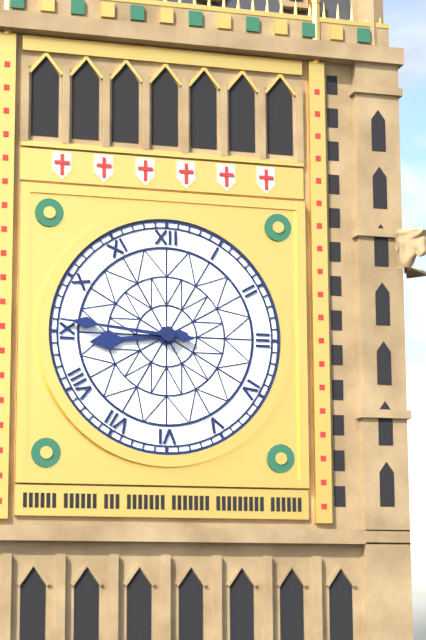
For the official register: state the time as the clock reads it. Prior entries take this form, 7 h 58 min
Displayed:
8 h 46 min
